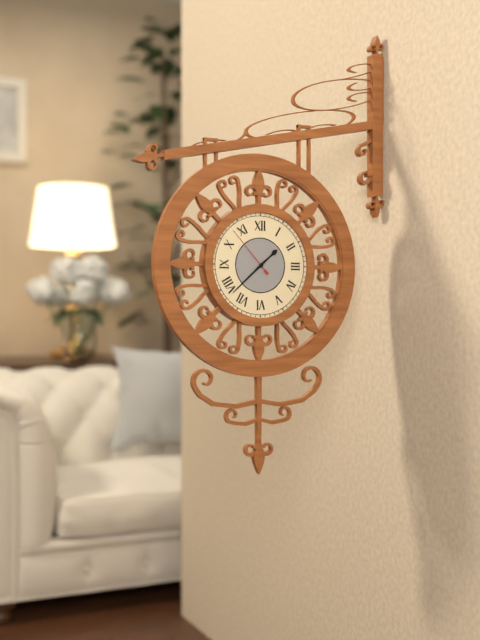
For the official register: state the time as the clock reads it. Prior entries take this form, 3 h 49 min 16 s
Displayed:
1 h 38 min 53 s
